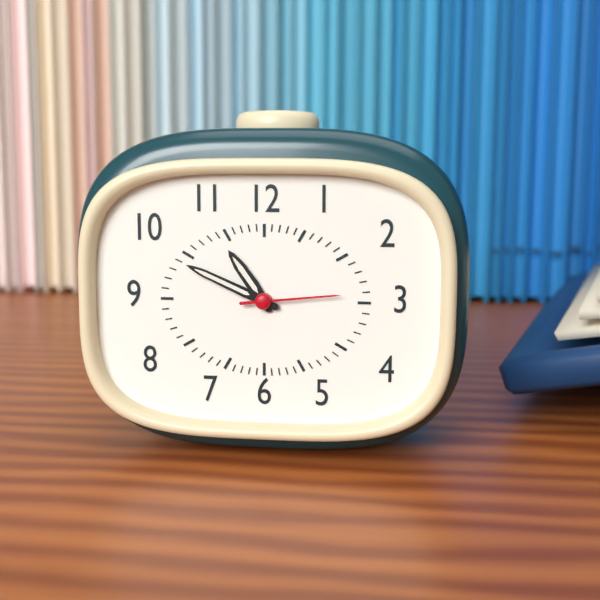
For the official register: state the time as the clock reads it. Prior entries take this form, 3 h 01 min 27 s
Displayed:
10 h 49 min 14 s
